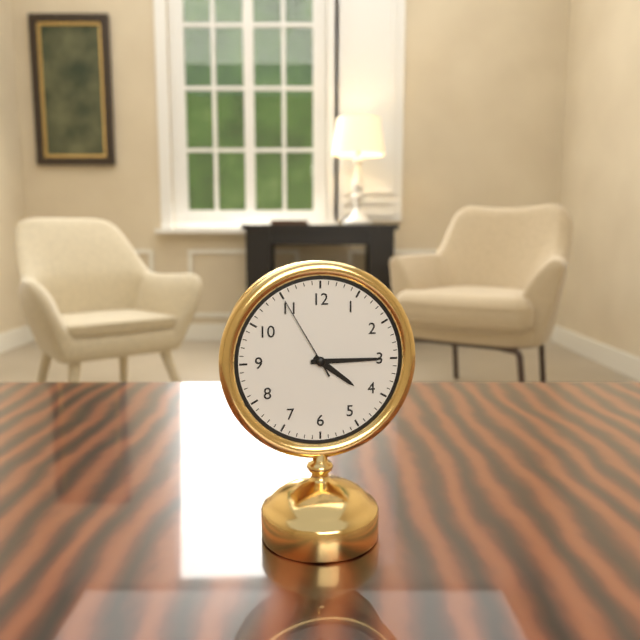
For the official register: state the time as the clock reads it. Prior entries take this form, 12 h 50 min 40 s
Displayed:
4 h 15 min 55 s
